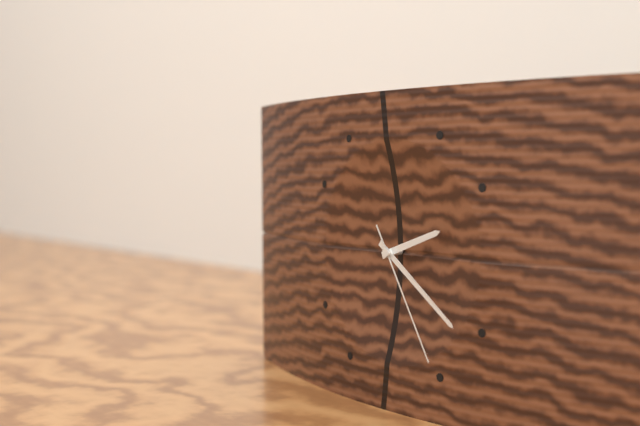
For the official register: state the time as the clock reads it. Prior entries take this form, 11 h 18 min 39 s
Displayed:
2 h 21 min 25 s
